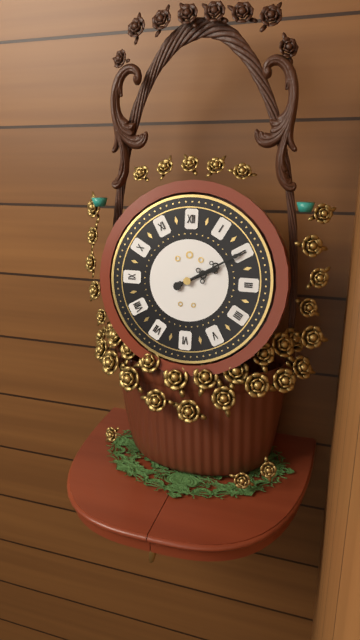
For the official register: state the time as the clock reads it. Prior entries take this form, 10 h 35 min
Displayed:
2 h 10 min
